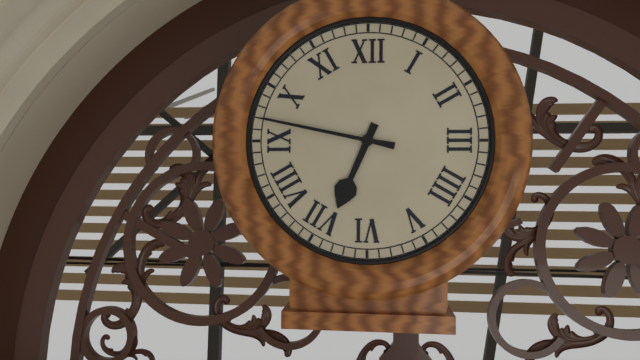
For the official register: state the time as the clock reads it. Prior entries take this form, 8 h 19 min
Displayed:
6 h 47 min
